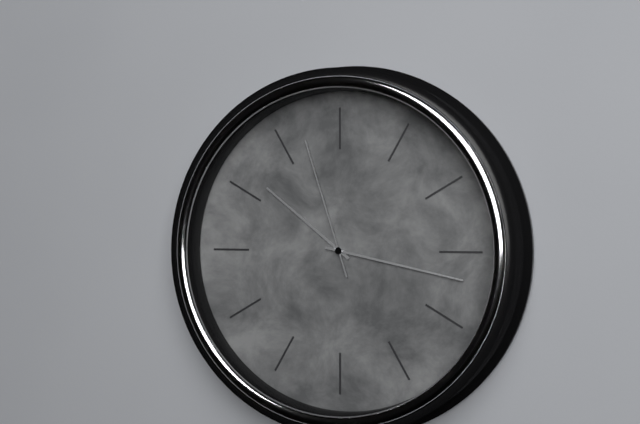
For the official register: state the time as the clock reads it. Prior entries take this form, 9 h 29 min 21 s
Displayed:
10 h 17 min 57 s
